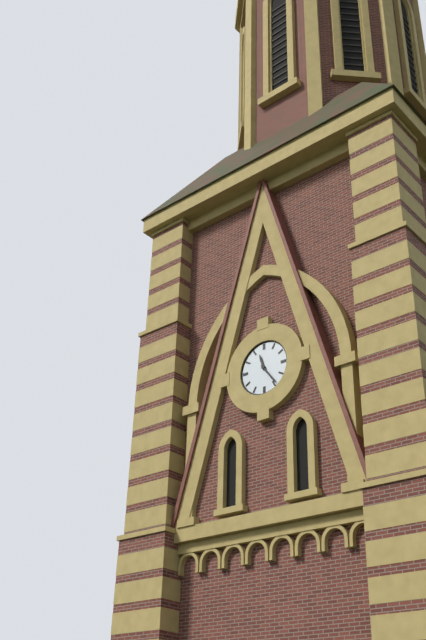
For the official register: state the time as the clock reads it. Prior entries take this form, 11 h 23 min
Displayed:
11 h 24 min
